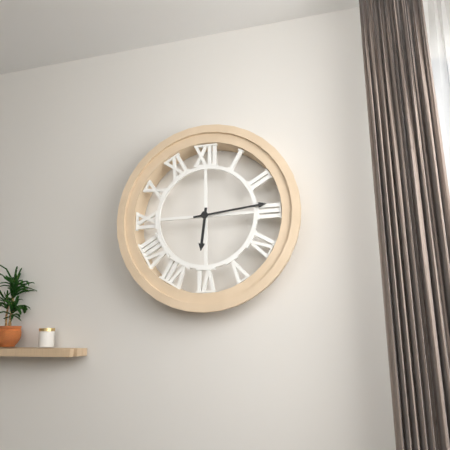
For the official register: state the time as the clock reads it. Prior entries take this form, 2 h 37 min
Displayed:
6 h 14 min
